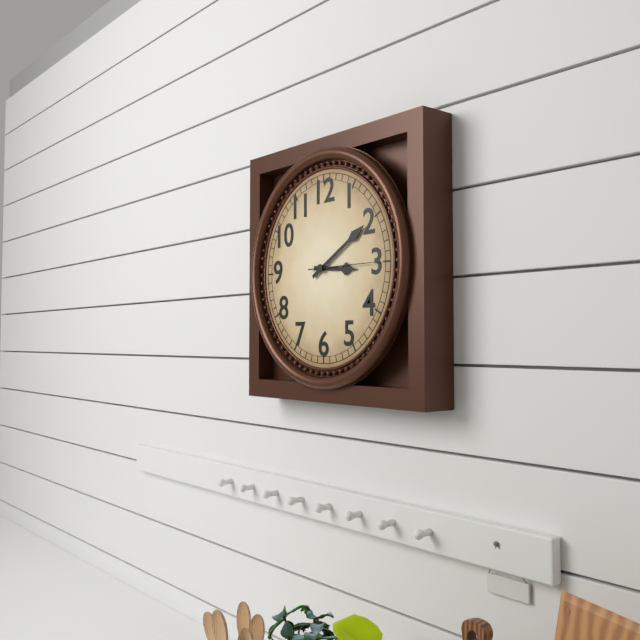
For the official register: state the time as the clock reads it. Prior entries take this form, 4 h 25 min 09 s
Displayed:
3 h 10 min 15 s
